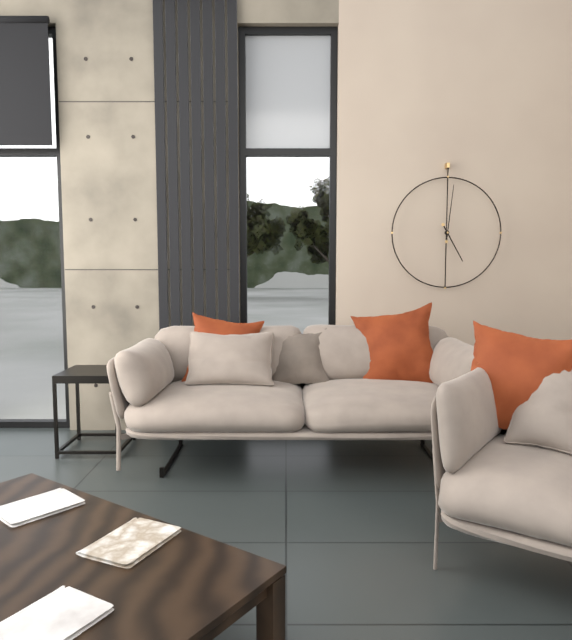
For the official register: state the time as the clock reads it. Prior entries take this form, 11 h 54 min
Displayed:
5 h 01 min
